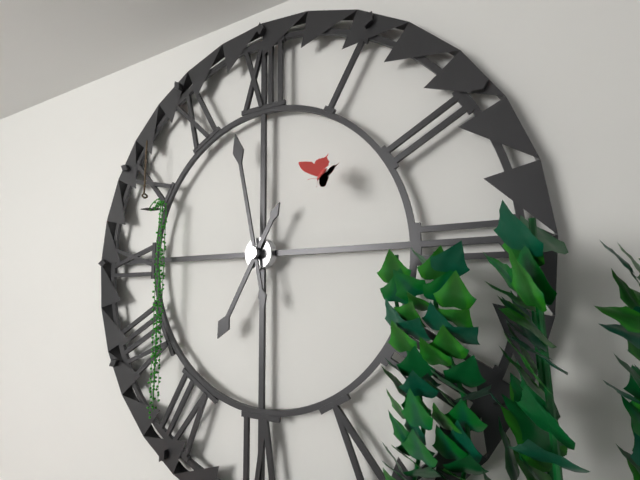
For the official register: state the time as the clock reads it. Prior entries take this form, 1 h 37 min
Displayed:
6 h 58 min
